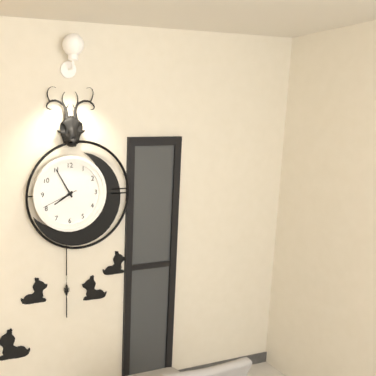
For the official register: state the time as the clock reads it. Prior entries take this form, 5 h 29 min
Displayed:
7 h 55 min
